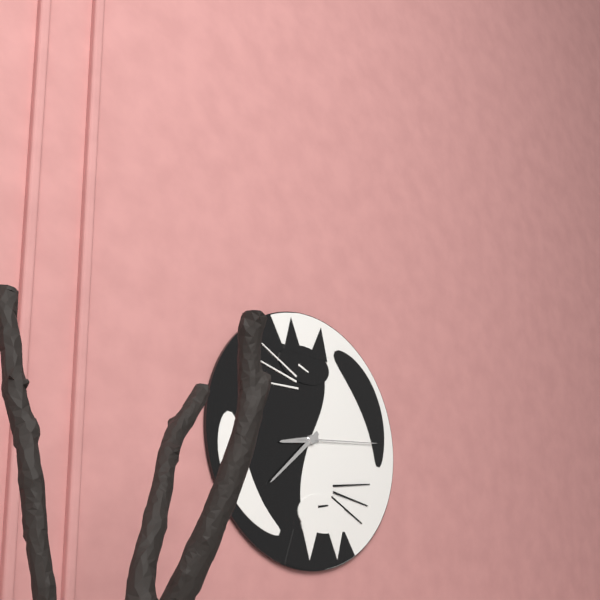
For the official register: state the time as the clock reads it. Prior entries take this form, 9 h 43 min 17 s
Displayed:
8 h 38 min 14 s
